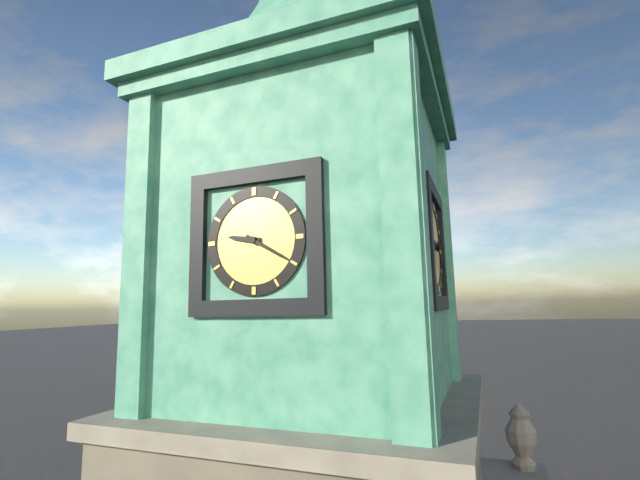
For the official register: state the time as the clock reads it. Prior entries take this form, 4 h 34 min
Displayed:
9 h 20 min
